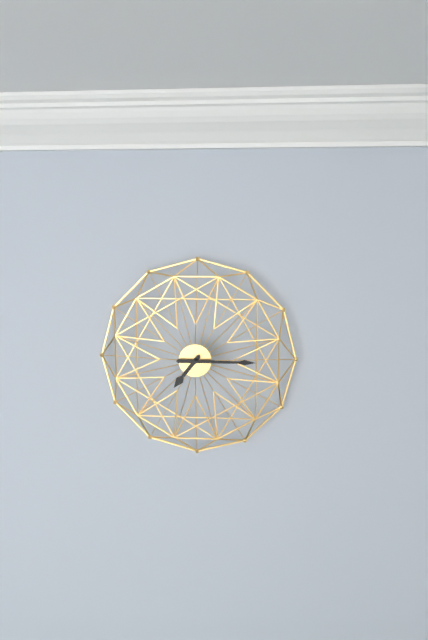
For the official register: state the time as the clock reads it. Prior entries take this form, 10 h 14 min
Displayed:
7 h 15 min
